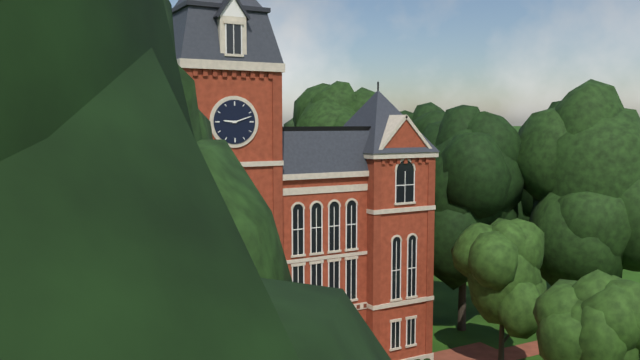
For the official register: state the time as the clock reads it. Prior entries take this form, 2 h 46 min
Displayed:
9 h 12 min
